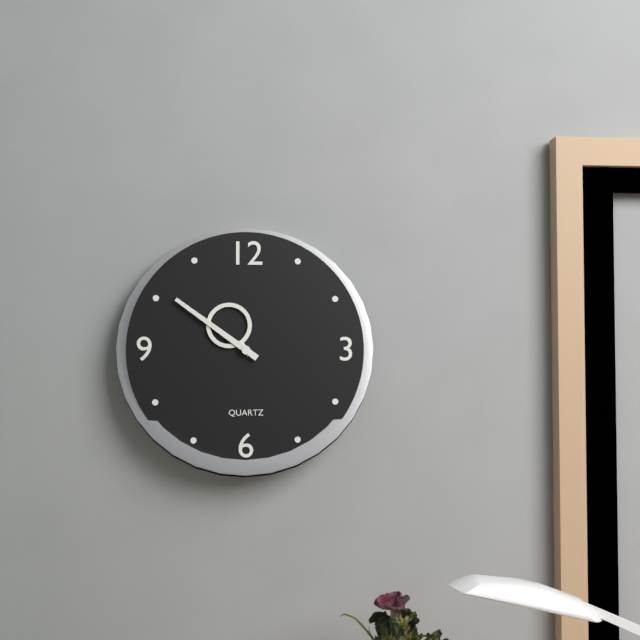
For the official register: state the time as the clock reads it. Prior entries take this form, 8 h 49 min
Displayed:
10 h 51 min
